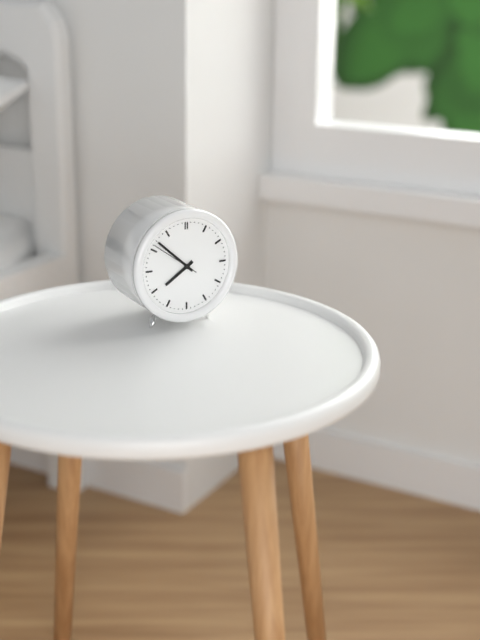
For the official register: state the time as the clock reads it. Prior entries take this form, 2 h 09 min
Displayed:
7 h 52 min
